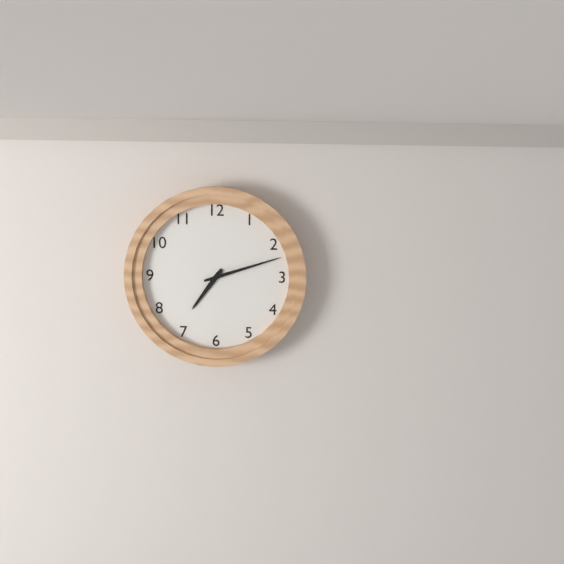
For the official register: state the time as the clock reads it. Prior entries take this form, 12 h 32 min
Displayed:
7 h 12 min
